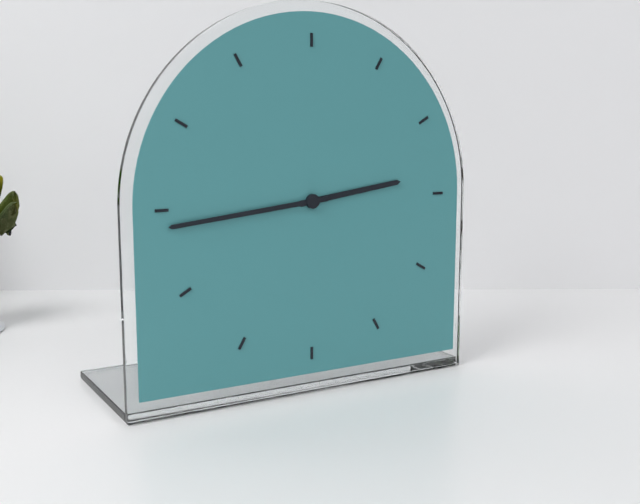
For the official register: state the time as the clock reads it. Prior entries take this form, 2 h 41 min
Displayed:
2 h 44 min
